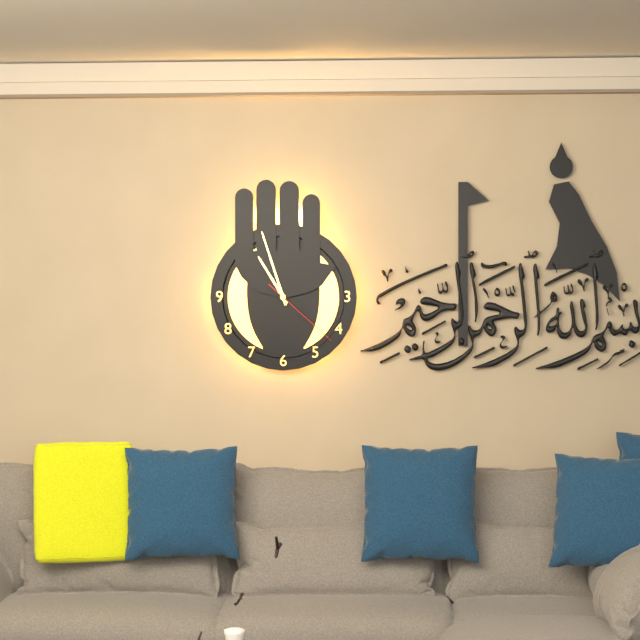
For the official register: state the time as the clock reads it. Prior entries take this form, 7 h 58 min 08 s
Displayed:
10 h 57 min 22 s
